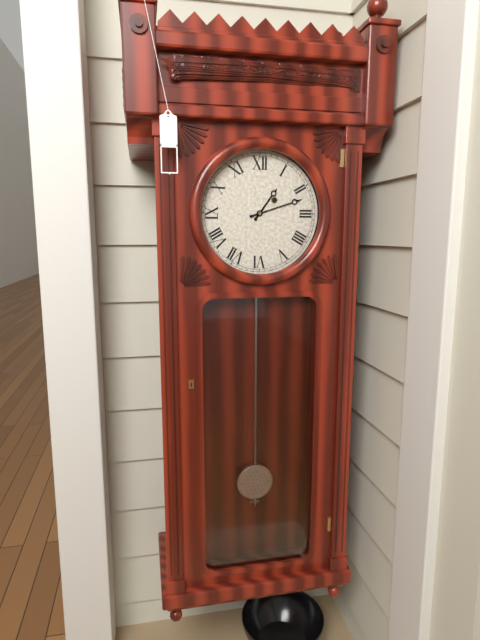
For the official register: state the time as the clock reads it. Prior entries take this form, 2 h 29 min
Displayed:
1 h 12 min
